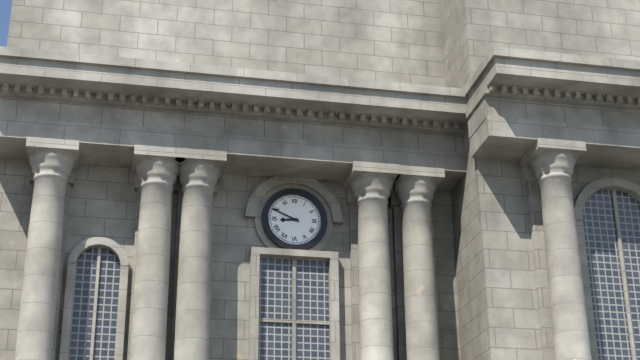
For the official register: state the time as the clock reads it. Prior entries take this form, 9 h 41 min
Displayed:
8 h 49 min
